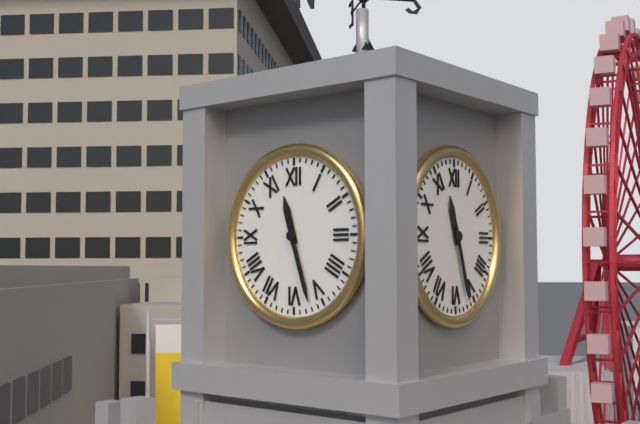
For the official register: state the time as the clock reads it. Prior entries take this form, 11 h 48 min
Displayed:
11 h 27 min
